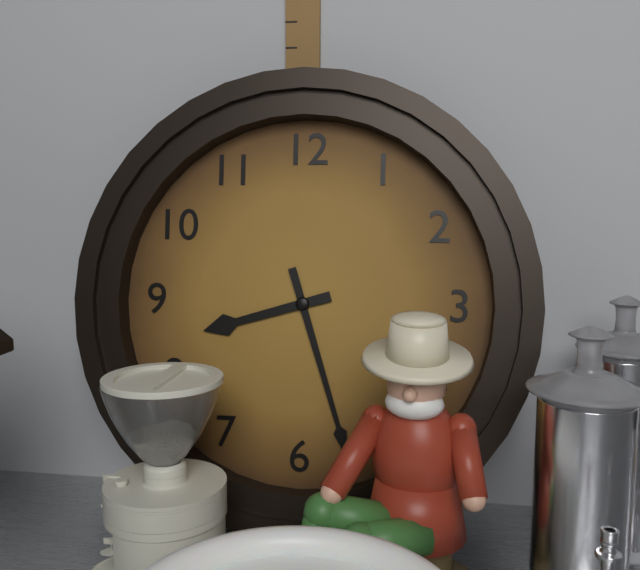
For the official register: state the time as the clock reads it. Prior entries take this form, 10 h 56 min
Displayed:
8 h 27 min
